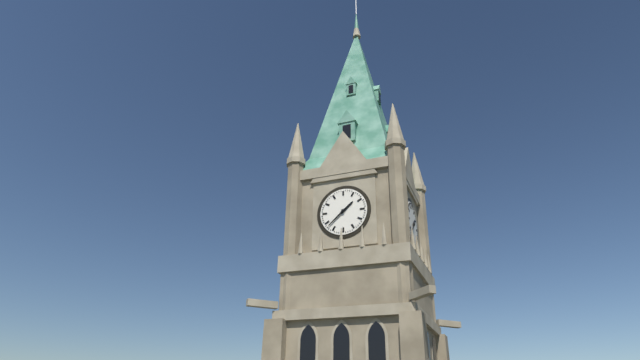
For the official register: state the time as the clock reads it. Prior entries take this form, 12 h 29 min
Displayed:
1 h 38 min
